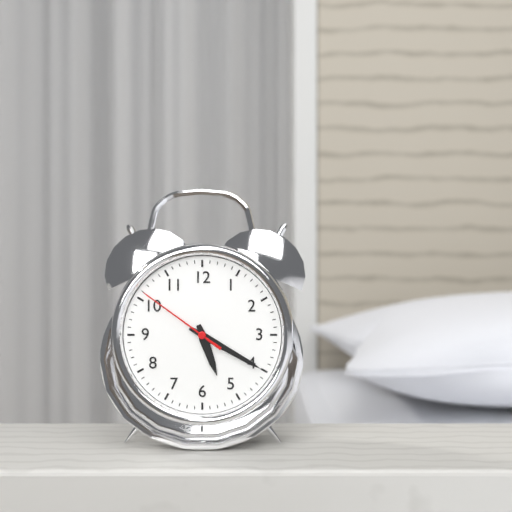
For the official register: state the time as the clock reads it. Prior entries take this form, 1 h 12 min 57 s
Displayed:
5 h 20 min 51 s
